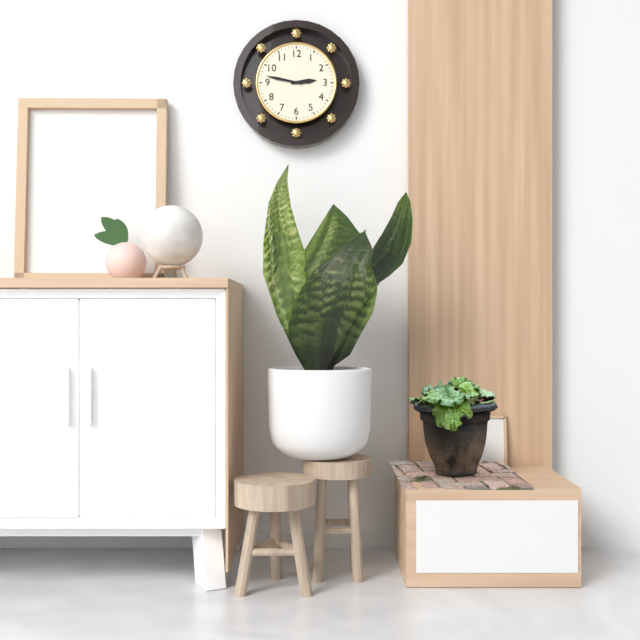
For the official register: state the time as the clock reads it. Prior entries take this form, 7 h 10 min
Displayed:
2 h 47 min
